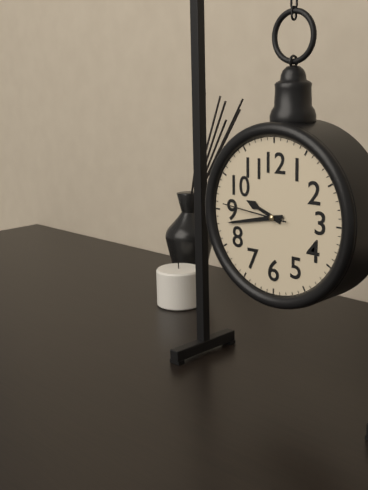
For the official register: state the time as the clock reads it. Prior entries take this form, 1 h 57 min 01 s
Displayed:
9 h 43 min 46 s
